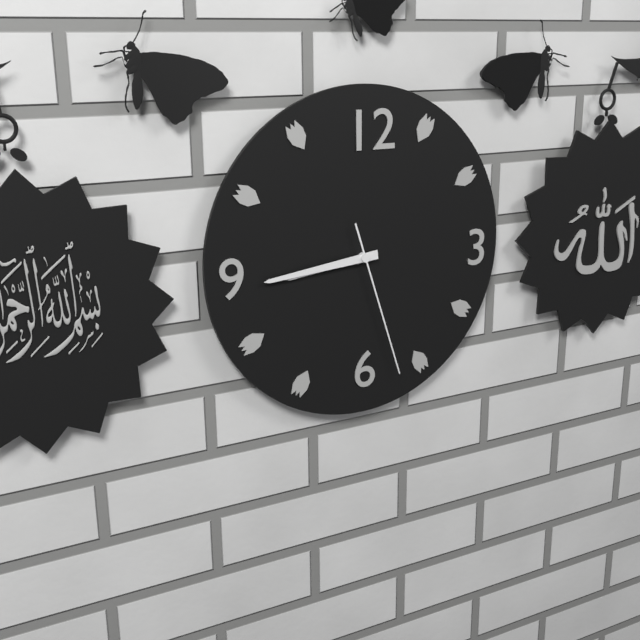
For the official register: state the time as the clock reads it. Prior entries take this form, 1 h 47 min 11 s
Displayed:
8 h 44 min 27 s
